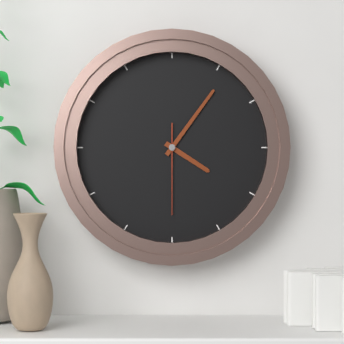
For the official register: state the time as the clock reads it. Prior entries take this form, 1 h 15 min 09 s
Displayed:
4 h 06 min 30 s
